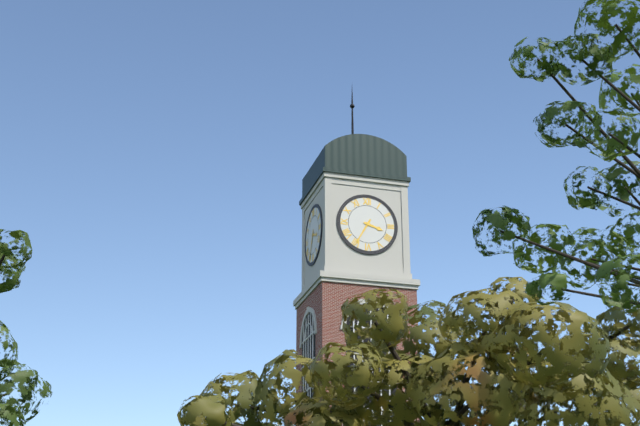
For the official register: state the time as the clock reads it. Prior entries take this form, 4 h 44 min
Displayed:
3 h 35 min
